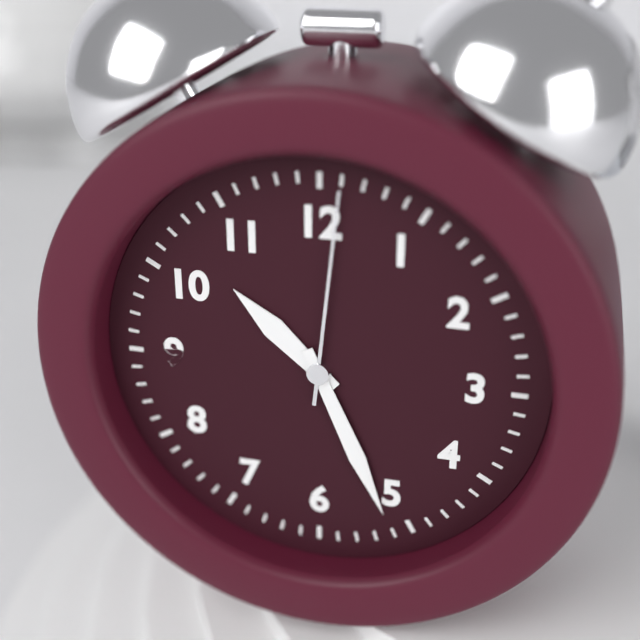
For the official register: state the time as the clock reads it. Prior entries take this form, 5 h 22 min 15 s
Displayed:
10 h 26 min 01 s
